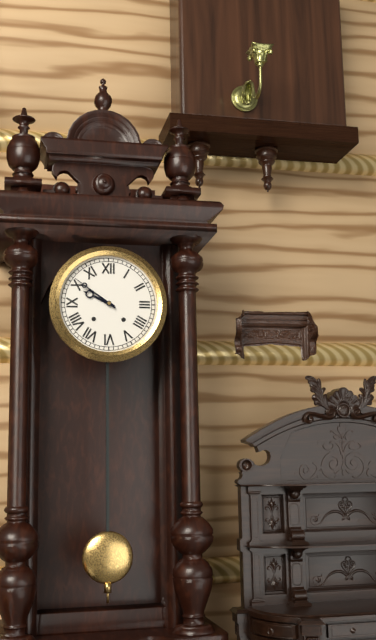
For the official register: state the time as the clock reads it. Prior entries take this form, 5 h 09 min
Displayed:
9 h 51 min
